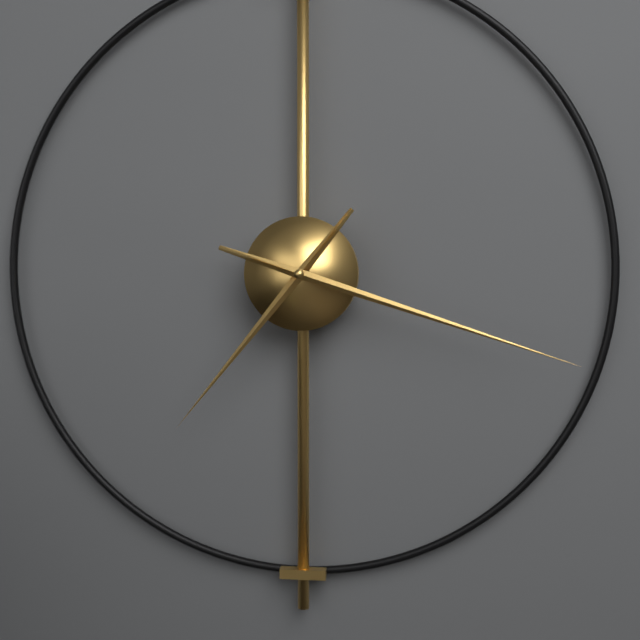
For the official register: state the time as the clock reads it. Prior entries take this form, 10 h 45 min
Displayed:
7 h 18 min
